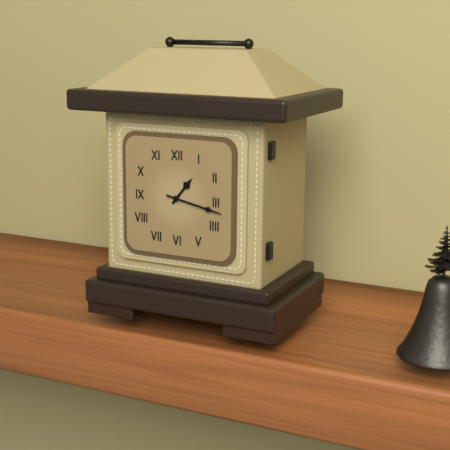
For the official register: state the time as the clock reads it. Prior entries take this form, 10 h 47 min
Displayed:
1 h 17 min
